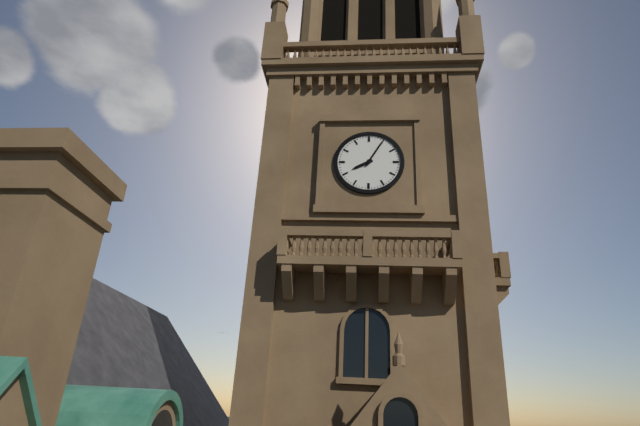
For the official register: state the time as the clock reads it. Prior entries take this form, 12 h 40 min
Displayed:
8 h 05 min
